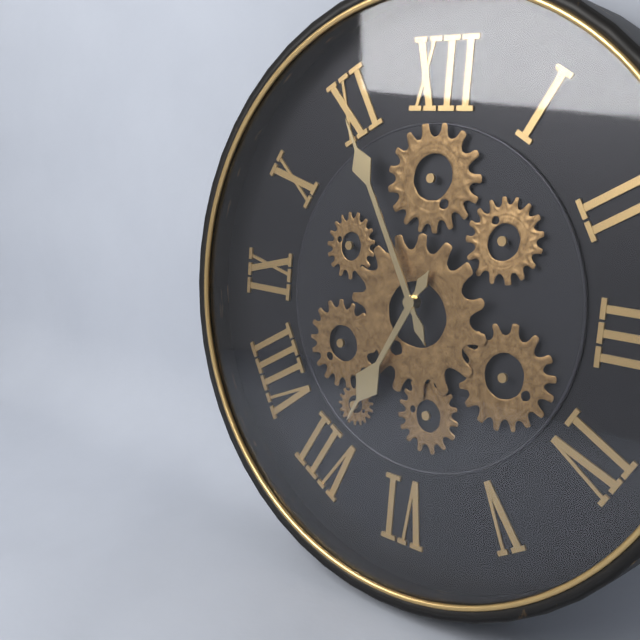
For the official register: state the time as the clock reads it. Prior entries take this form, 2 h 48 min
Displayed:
6 h 55 min
